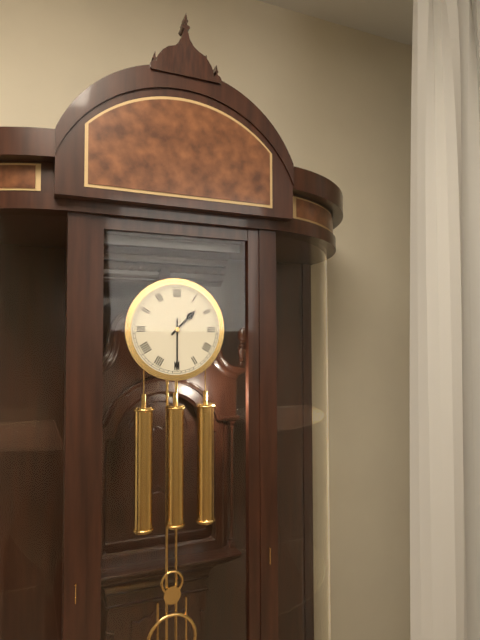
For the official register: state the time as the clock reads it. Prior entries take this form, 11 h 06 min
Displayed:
1 h 30 min
